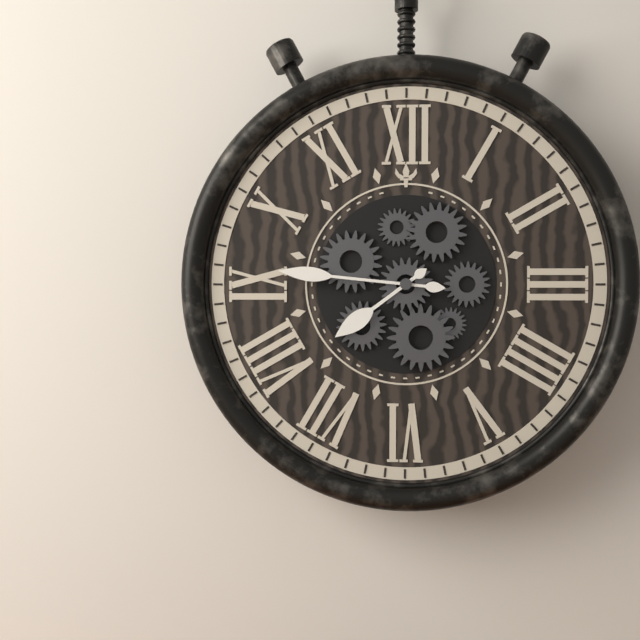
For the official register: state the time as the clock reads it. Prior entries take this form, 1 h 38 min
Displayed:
7 h 46 min
